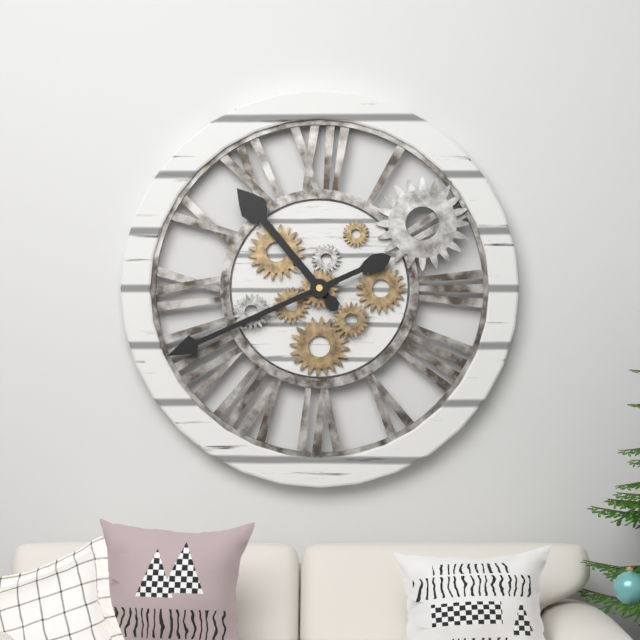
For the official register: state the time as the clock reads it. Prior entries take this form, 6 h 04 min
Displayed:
10 h 41 min
